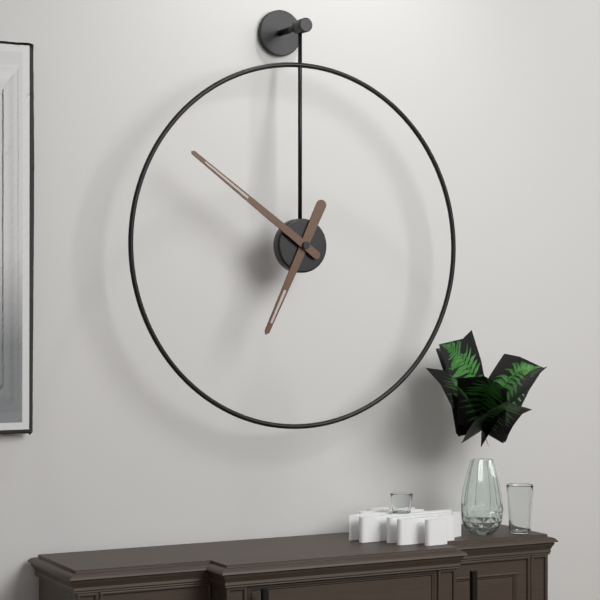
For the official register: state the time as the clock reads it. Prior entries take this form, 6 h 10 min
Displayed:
6 h 51 min
